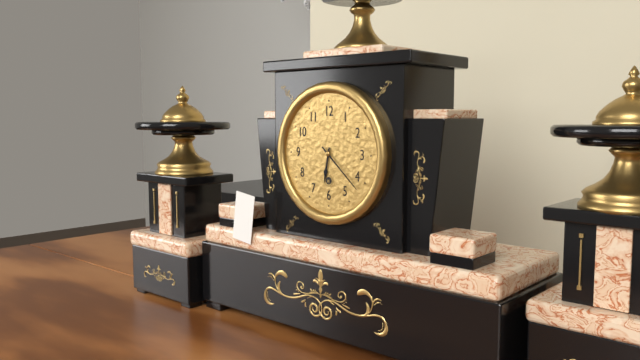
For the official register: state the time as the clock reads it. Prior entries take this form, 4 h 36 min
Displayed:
6 h 22 min
